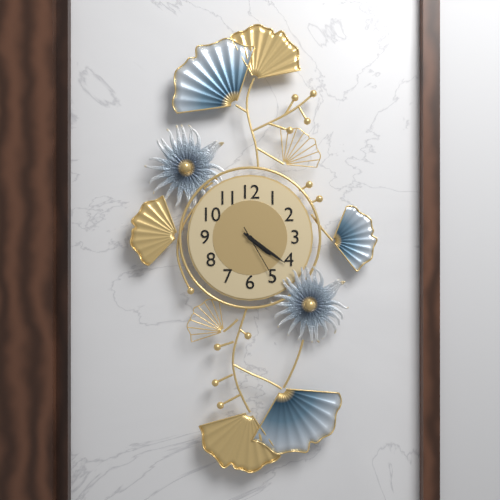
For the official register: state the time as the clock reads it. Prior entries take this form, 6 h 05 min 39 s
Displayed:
4 h 21 min 25 s
